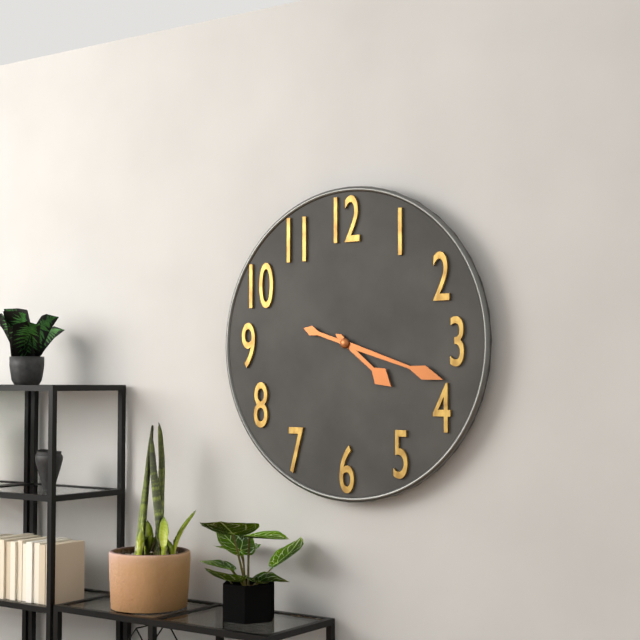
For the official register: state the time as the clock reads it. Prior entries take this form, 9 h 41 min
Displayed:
4 h 18 min
